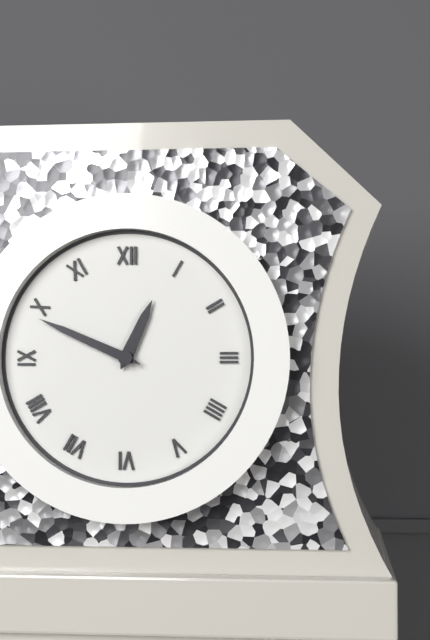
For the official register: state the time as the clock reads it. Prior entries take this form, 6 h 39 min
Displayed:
12 h 49 min
